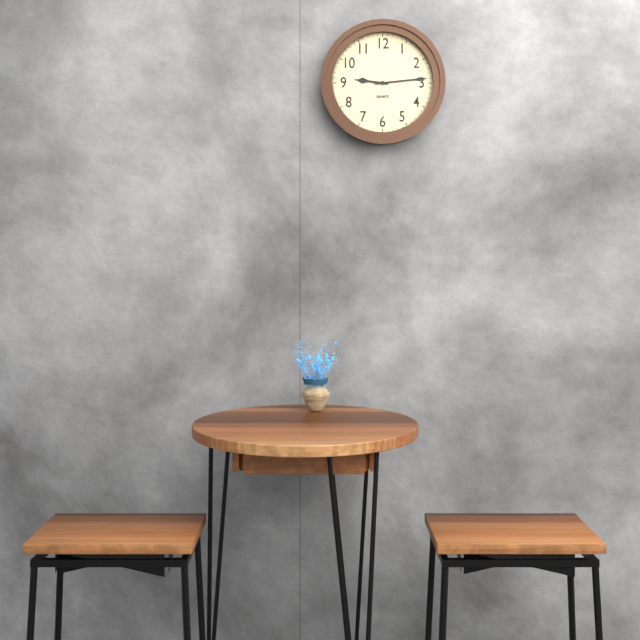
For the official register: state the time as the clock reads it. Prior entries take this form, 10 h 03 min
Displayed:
9 h 14 min
